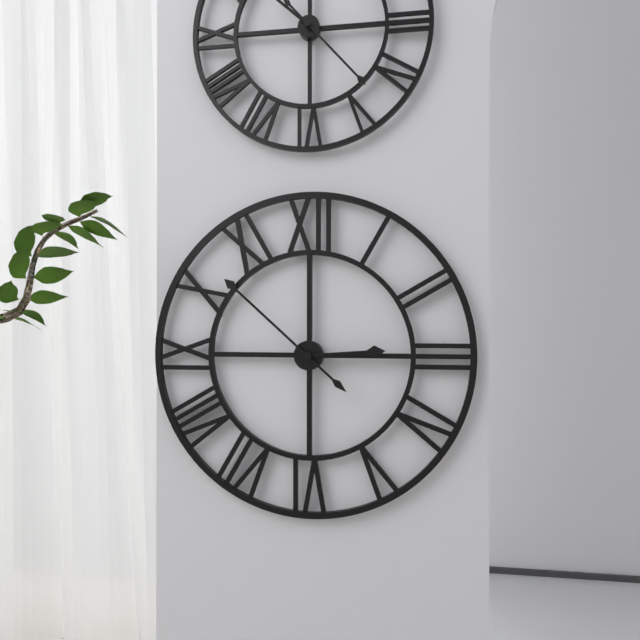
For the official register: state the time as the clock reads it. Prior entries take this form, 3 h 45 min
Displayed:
2 h 52 min
